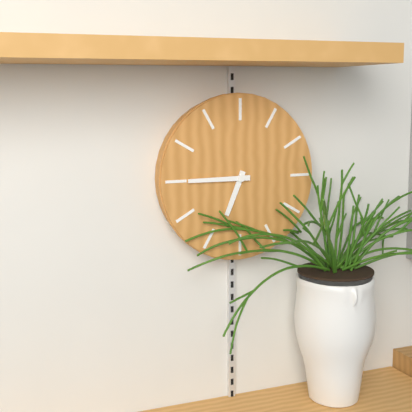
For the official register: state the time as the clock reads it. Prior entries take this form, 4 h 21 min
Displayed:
6 h 45 min
